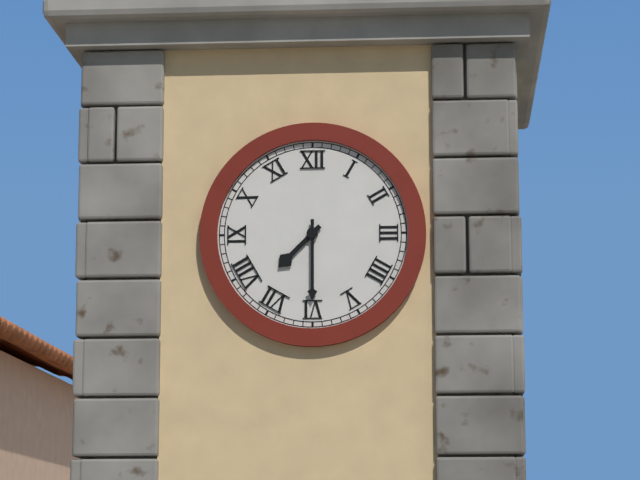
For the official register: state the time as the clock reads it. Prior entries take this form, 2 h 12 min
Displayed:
7 h 30 min
